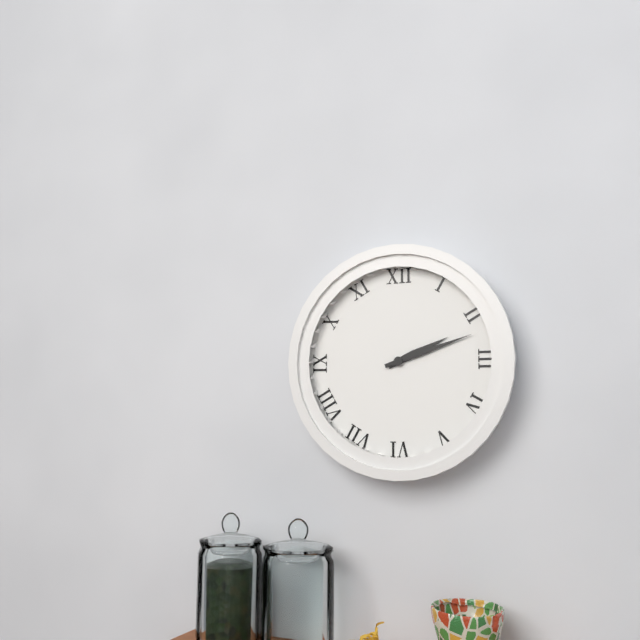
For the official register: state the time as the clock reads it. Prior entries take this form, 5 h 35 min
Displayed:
2 h 12 min
